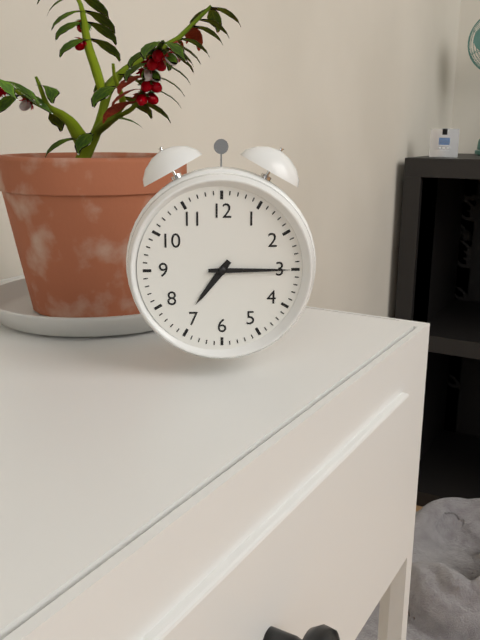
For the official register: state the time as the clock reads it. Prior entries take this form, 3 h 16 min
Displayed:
7 h 15 min
